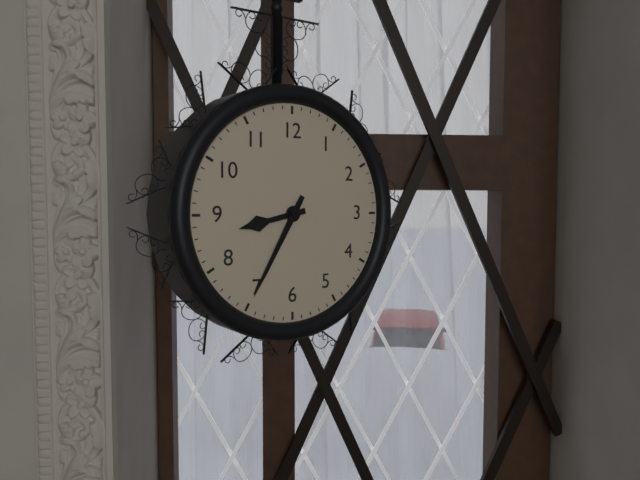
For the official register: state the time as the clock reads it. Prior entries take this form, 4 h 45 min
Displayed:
8 h 35 min
